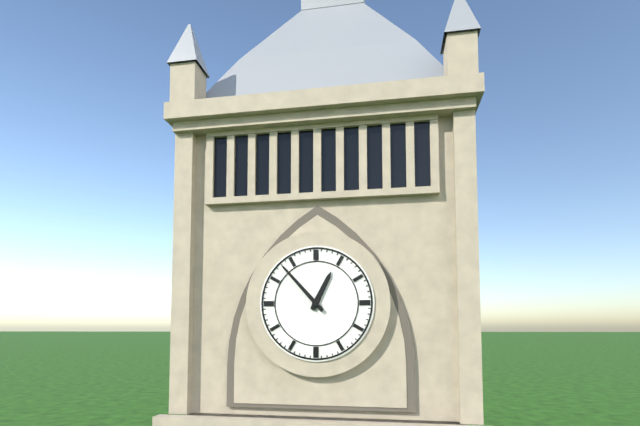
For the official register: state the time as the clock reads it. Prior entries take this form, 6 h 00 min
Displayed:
12 h 53 min
